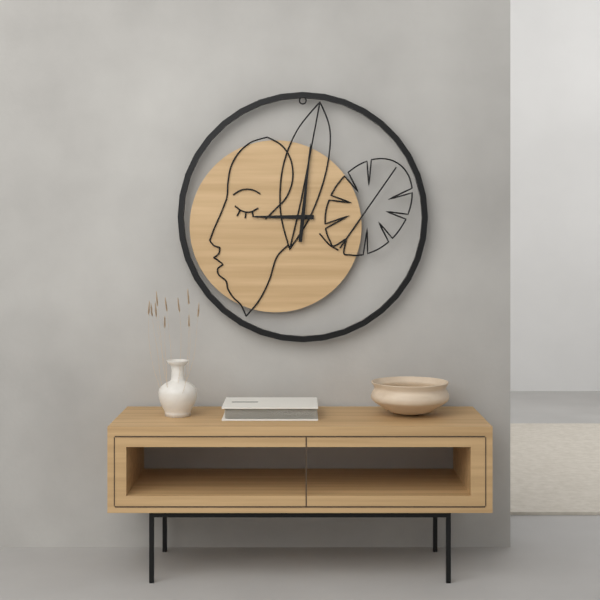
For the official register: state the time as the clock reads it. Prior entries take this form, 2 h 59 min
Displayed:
9 h 01 min
